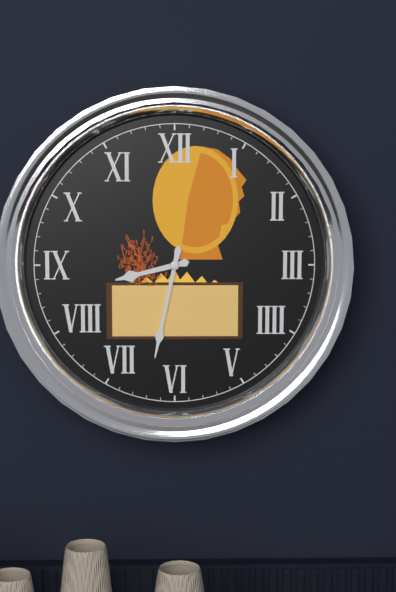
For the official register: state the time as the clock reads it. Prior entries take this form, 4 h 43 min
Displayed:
8 h 32 min
